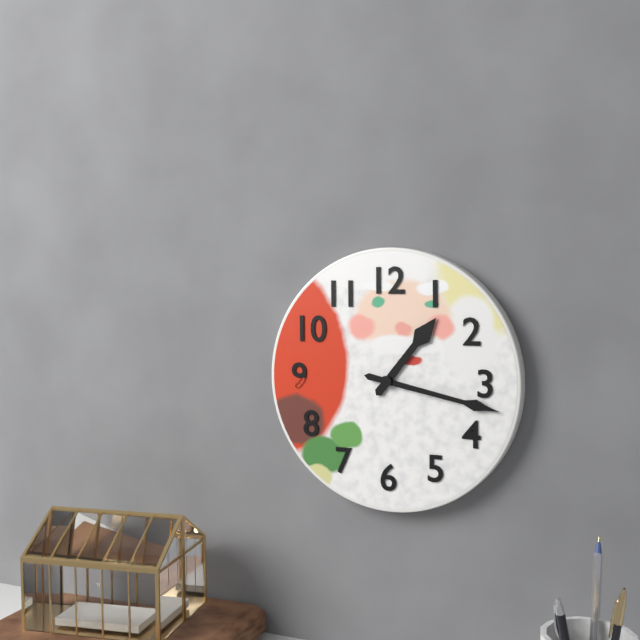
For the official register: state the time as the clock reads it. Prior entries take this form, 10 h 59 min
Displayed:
1 h 17 min
